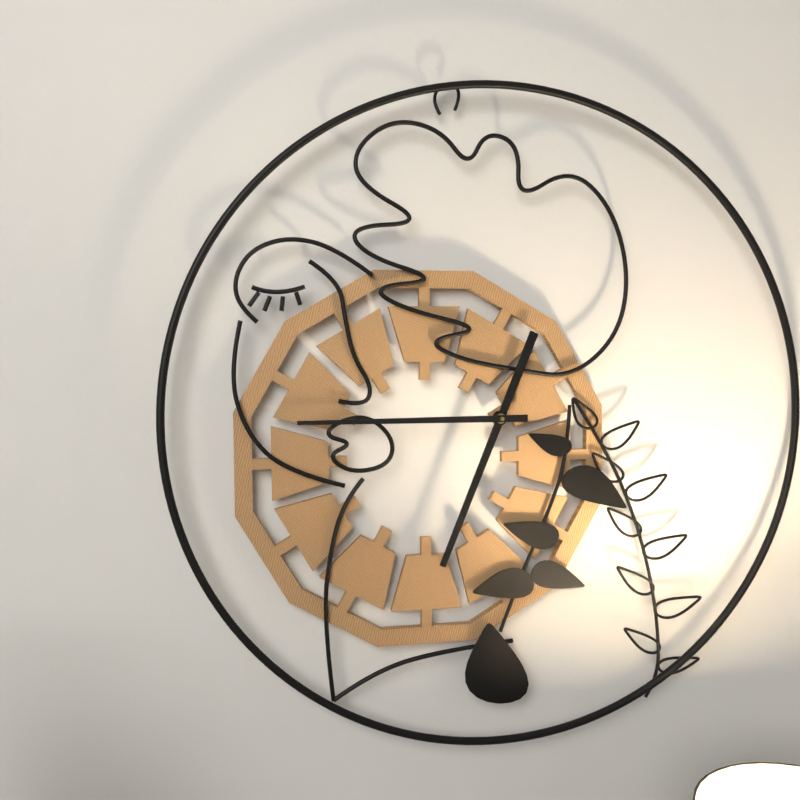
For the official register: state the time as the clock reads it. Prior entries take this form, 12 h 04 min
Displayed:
6 h 45 min
